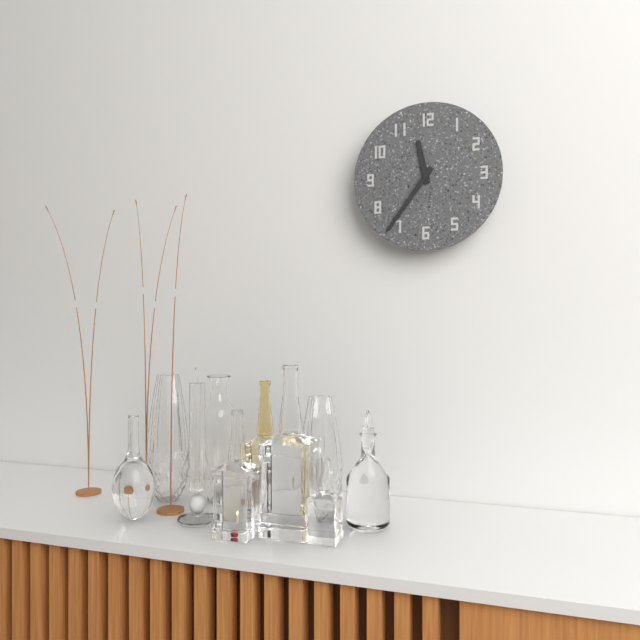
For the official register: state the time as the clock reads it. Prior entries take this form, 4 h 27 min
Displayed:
11 h 36 min
